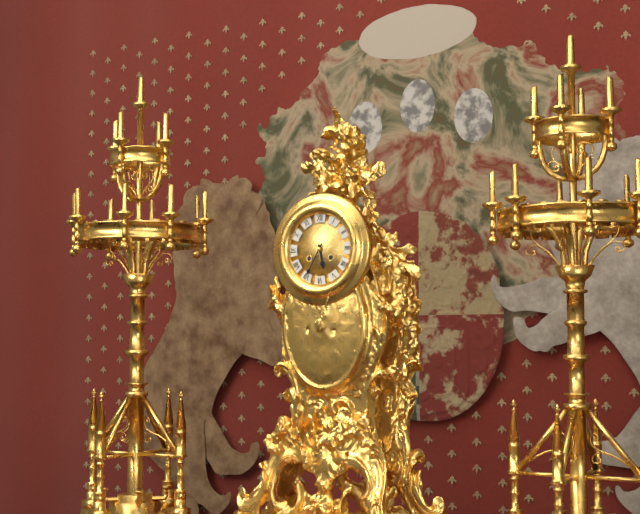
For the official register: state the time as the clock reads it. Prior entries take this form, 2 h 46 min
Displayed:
5 h 35 min
